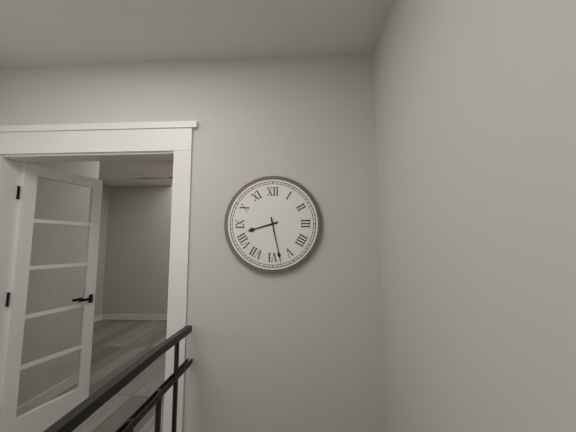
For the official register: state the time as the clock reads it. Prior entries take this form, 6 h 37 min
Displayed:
8 h 28 min
